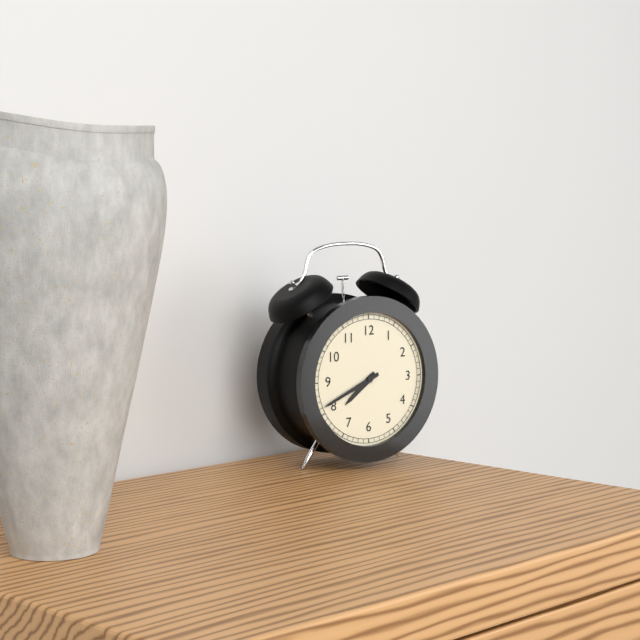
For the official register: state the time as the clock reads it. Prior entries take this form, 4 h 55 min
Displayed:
7 h 41 min
